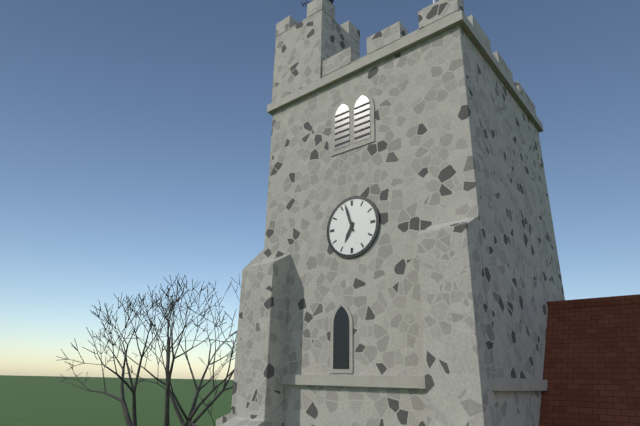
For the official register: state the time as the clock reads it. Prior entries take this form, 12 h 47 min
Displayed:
6 h 57 min
